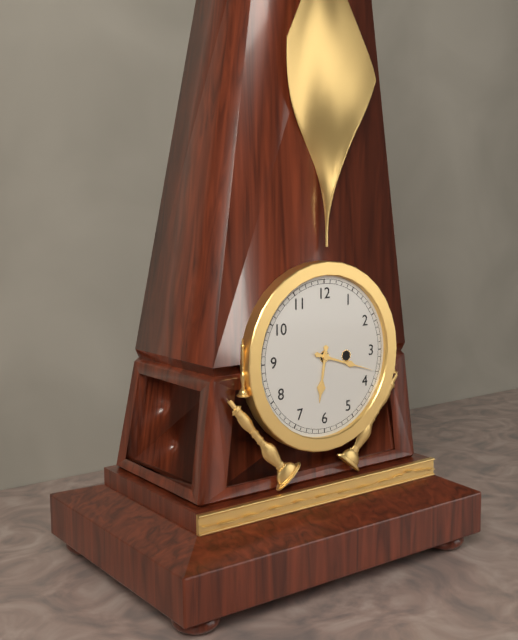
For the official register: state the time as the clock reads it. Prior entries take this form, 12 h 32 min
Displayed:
6 h 18 min
